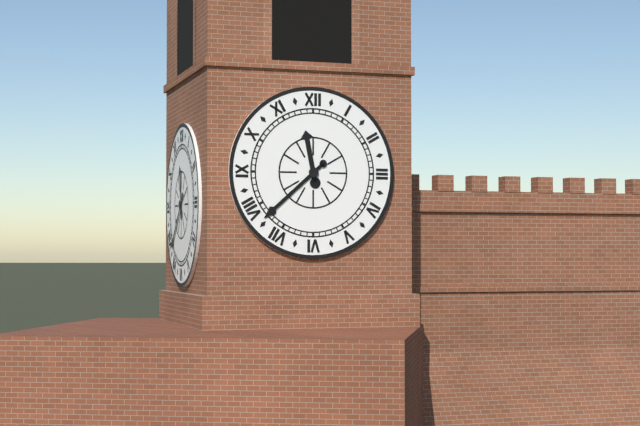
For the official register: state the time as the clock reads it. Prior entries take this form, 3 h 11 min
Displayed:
11 h 38 min
